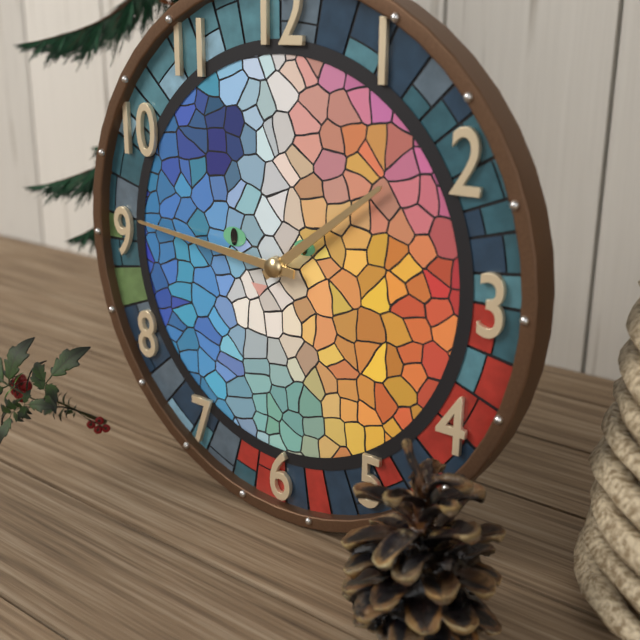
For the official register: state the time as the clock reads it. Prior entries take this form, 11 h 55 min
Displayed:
1 h 46 min
